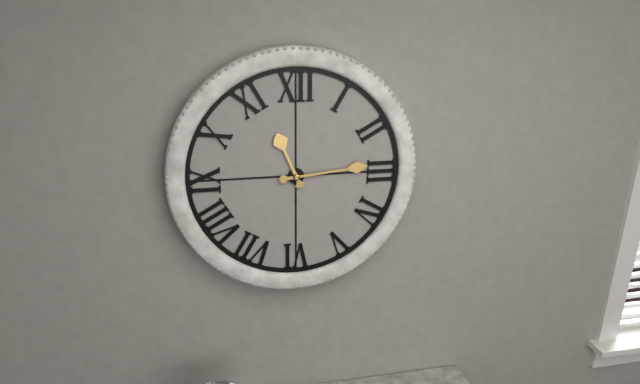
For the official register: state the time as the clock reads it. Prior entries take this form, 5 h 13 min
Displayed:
11 h 14 min
